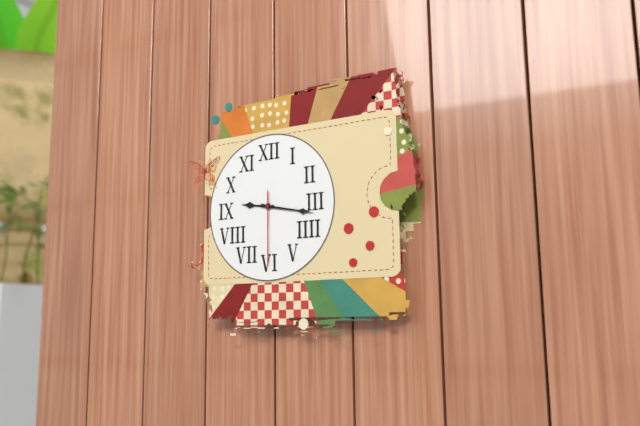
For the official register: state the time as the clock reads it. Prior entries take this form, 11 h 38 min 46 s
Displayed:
9 h 17 min 30 s
